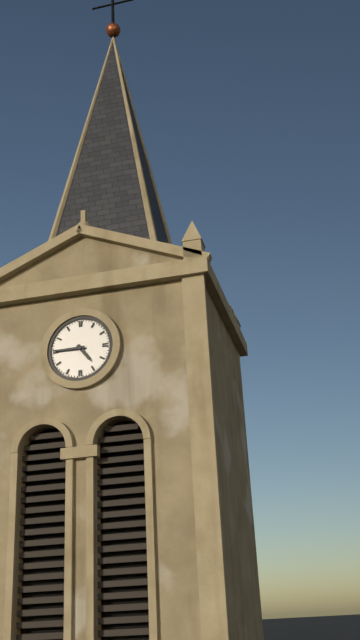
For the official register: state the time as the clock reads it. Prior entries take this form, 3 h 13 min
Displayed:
4 h 45 min
